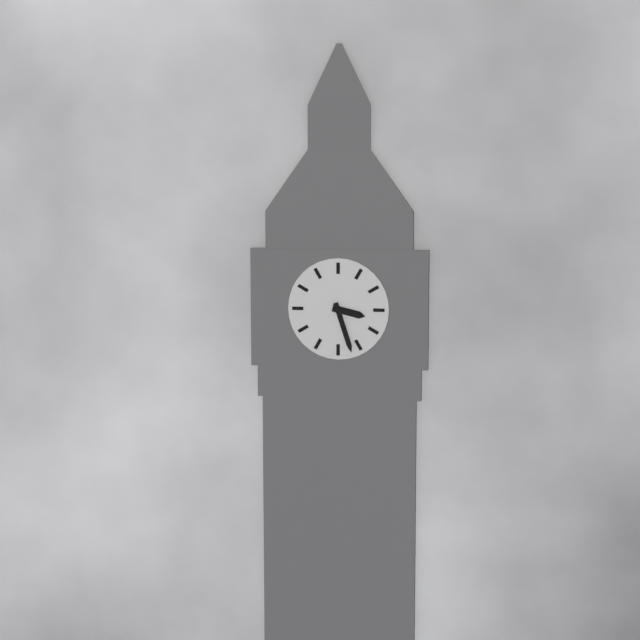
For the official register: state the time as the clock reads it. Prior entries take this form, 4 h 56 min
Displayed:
3 h 27 min
